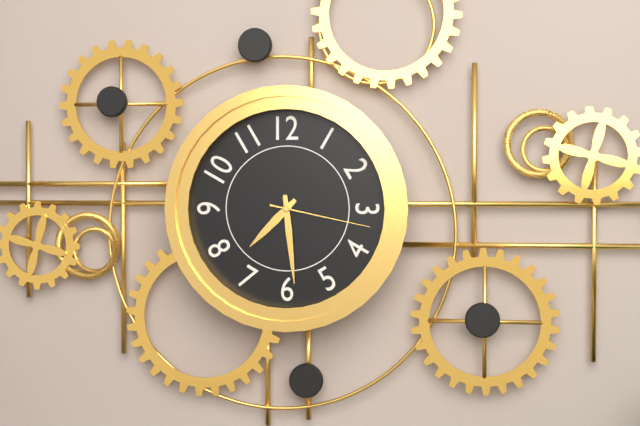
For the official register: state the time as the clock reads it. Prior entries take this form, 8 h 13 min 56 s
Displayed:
7 h 29 min 17 s
